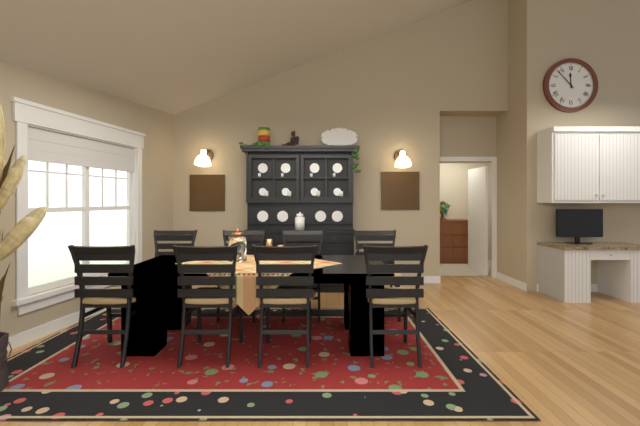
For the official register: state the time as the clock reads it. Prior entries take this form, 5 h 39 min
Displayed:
11 h 53 min
